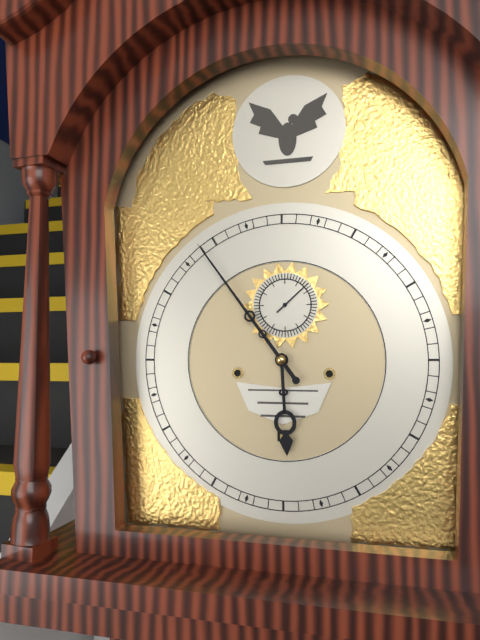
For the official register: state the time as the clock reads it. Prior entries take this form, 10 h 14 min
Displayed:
5 h 54 min
